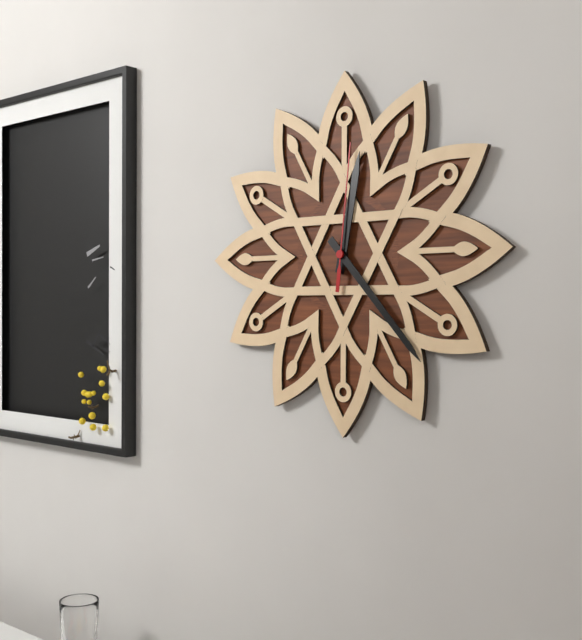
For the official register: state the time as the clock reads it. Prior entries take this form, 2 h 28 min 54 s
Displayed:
12 h 23 min 01 s
